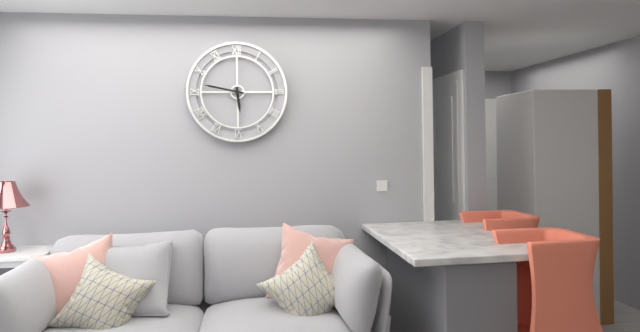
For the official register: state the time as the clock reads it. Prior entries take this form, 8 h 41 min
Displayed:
5 h 47 min
